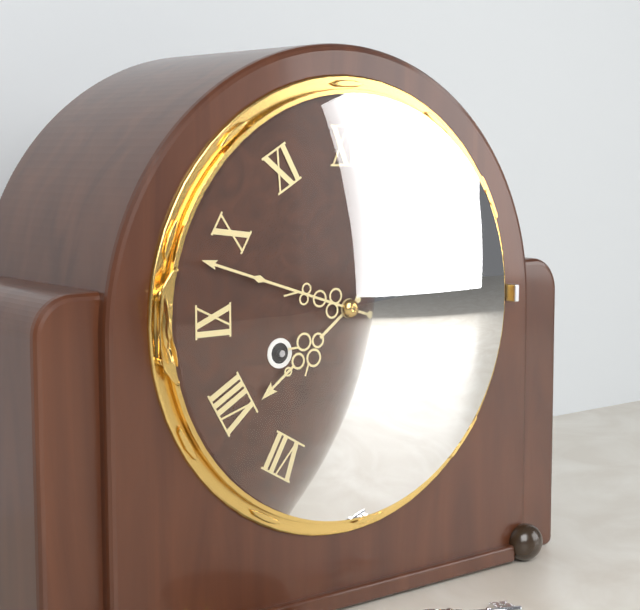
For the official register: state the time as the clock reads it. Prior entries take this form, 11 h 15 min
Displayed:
7 h 48 min
